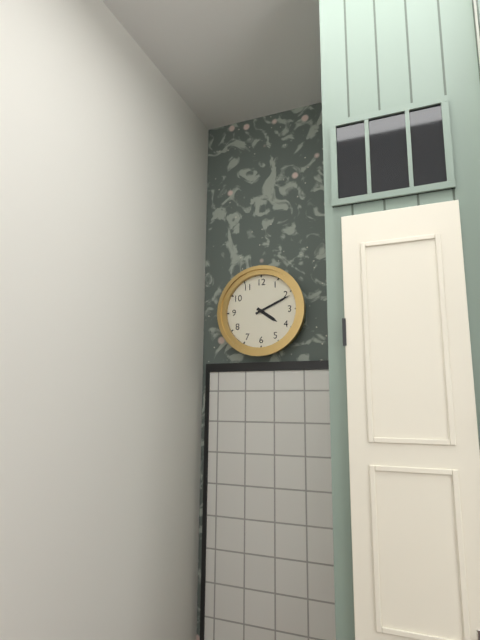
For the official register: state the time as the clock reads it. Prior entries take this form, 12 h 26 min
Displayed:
4 h 11 min
